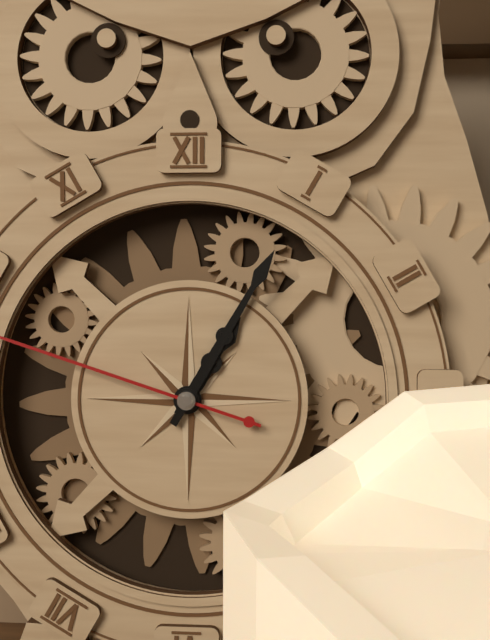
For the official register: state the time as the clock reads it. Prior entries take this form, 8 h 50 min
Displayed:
1 h 05 min
